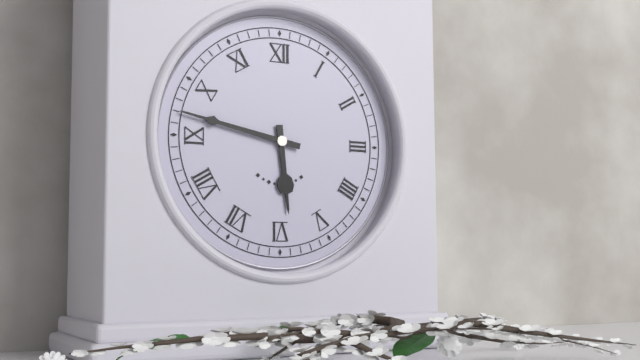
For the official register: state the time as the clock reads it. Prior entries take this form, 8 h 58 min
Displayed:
5 h 47 min
